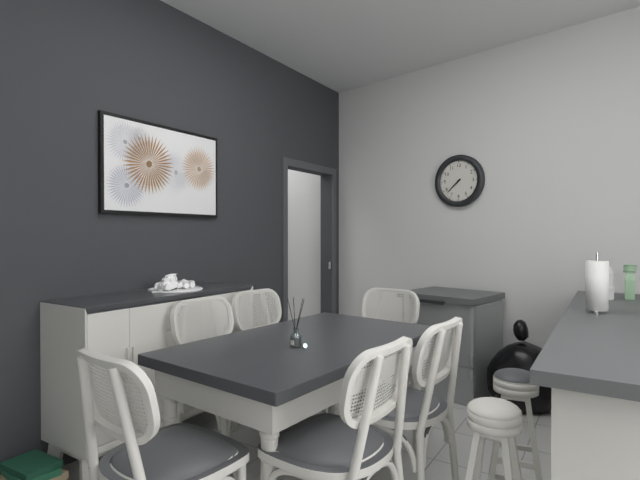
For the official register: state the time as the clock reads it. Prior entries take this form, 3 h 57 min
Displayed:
7 h 38 min
